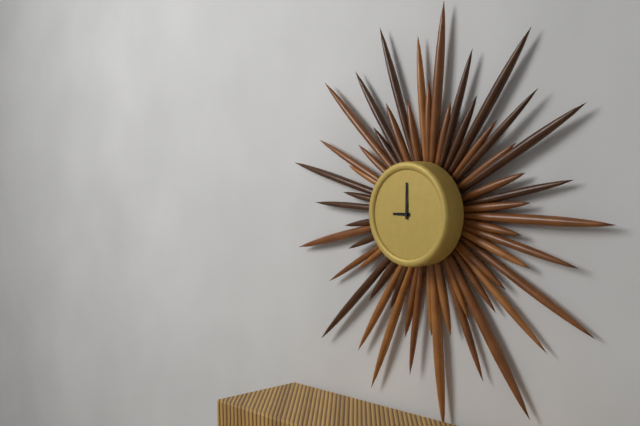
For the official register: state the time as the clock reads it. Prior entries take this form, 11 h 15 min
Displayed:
9 h 00 min
